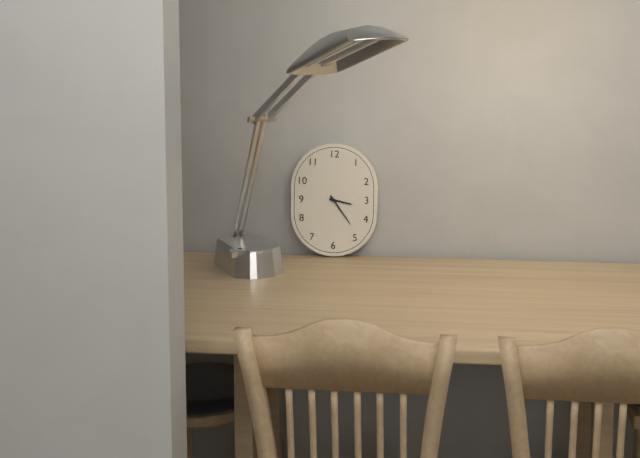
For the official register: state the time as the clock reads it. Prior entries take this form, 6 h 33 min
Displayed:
3 h 24 min
